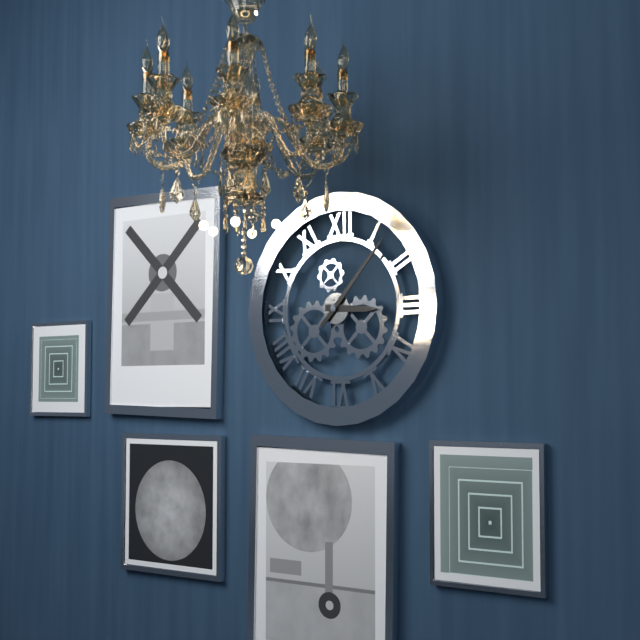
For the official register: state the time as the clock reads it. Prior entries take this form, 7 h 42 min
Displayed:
3 h 07 min
